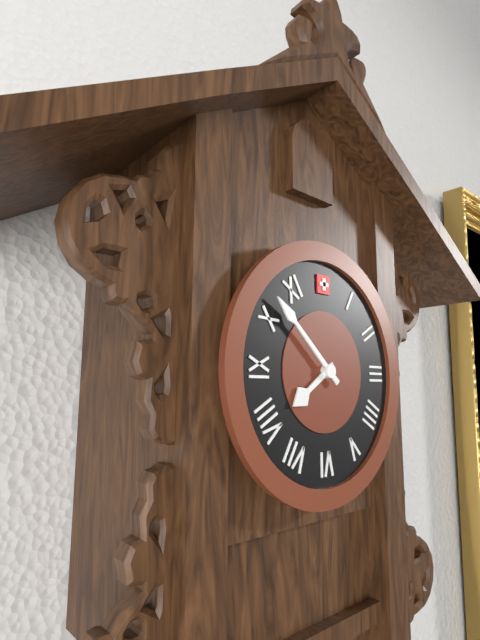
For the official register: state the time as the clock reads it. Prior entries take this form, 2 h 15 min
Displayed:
7 h 52 min
